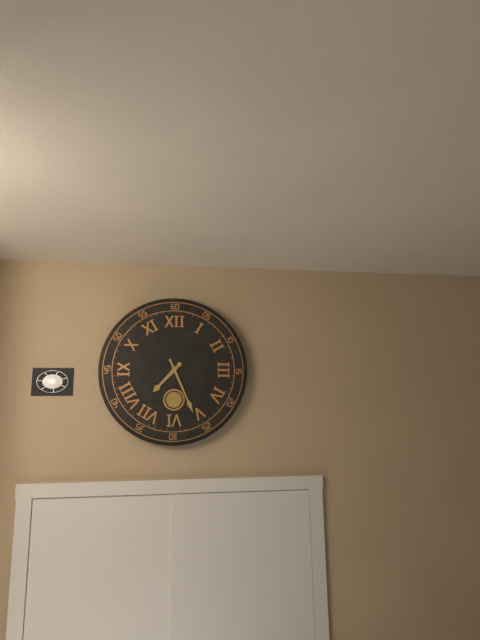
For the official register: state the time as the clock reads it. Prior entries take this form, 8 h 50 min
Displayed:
7 h 26 min
